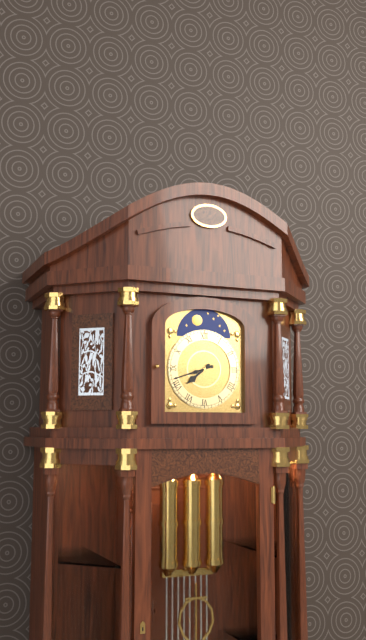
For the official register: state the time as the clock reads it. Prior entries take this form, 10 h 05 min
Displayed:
7 h 42 min
